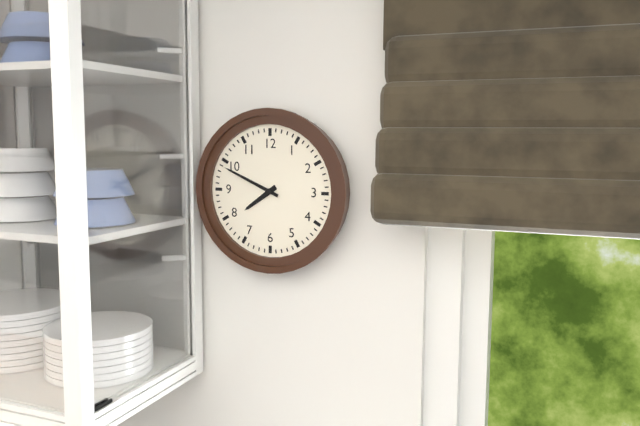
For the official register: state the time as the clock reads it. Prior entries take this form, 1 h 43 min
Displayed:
7 h 49 min
